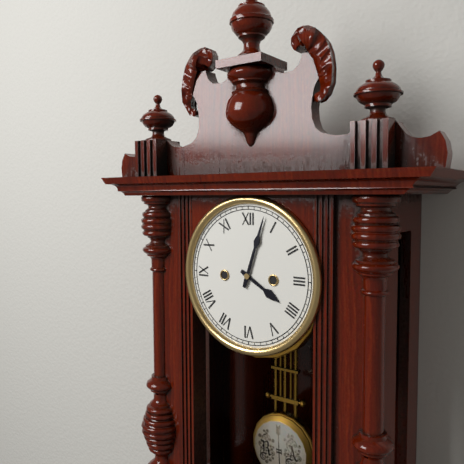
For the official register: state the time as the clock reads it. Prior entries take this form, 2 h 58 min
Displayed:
4 h 03 min
